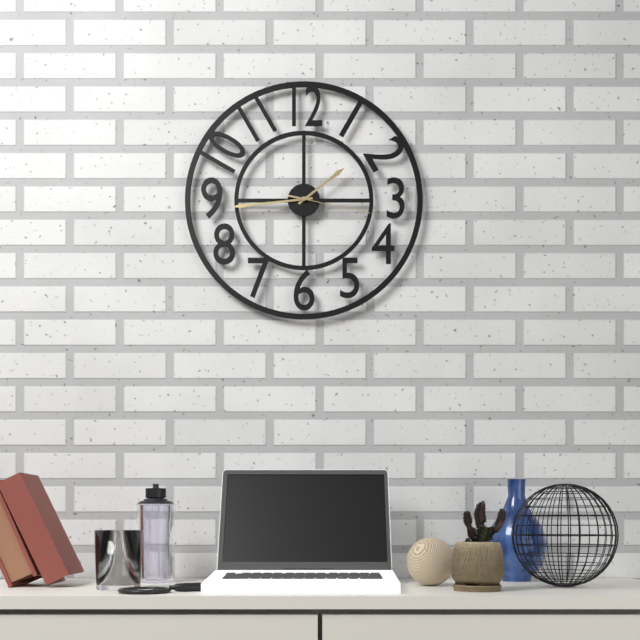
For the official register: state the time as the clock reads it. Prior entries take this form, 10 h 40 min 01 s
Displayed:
1 h 44 min 17 s
